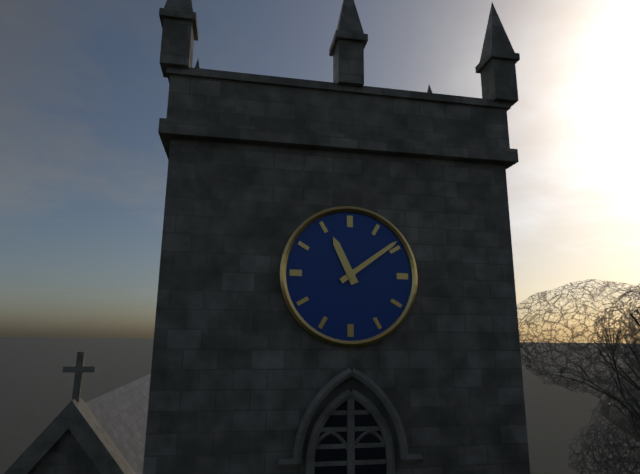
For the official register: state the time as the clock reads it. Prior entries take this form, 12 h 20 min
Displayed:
11 h 09 min
